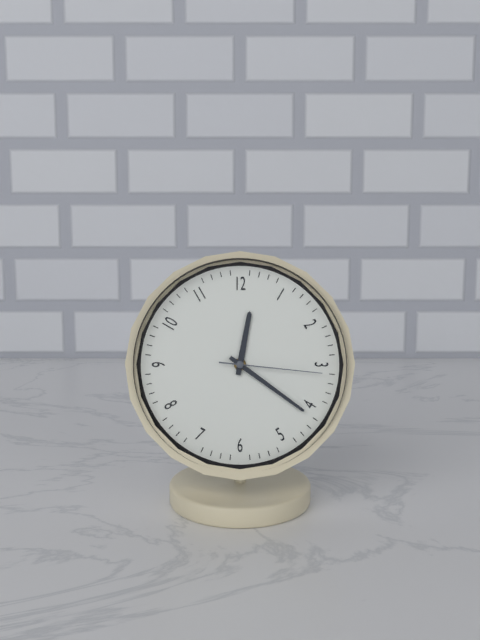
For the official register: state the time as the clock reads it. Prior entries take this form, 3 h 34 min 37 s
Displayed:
12 h 21 min 16 s
